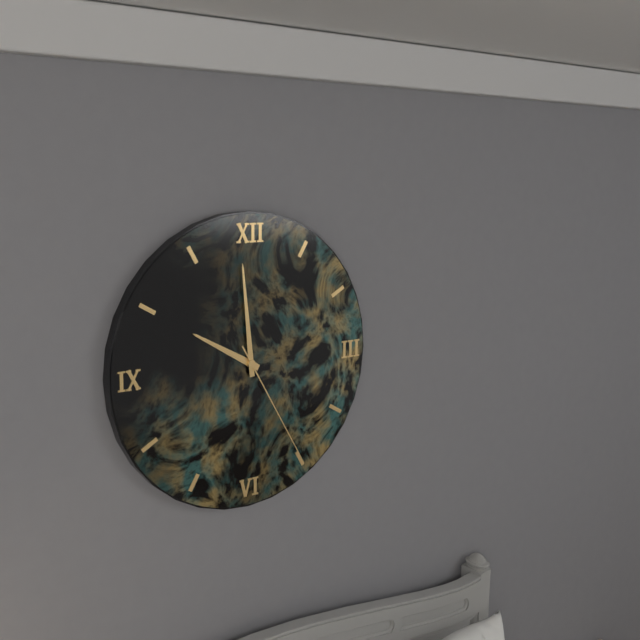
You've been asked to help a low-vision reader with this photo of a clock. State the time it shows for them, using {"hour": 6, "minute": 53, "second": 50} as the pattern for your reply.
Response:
{"hour": 9, "minute": 59, "second": 25}
